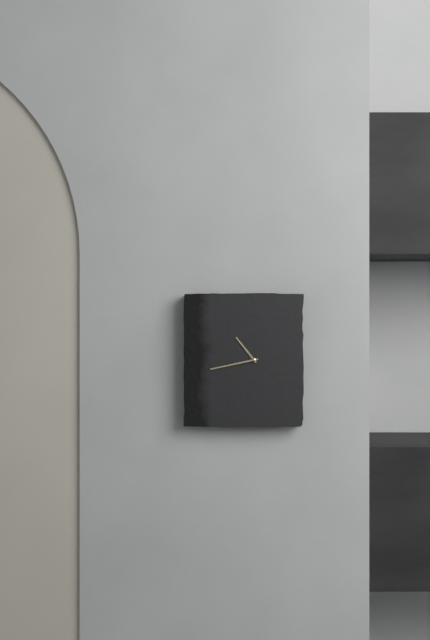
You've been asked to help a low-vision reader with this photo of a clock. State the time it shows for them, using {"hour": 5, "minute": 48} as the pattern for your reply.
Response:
{"hour": 10, "minute": 43}
